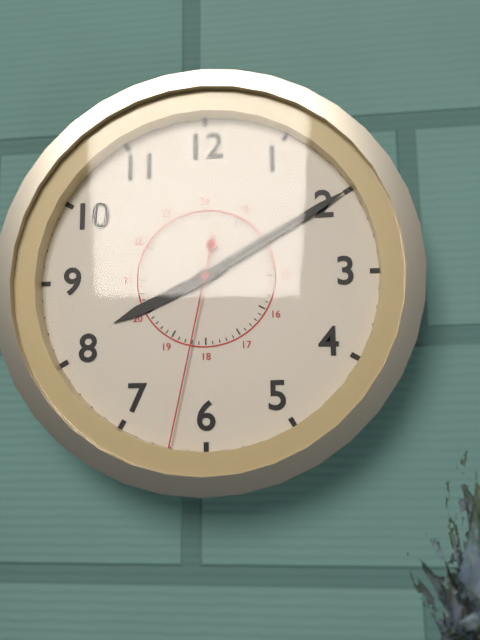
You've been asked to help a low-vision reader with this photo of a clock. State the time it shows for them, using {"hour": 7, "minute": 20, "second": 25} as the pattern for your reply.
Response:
{"hour": 8, "minute": 10, "second": 32}
